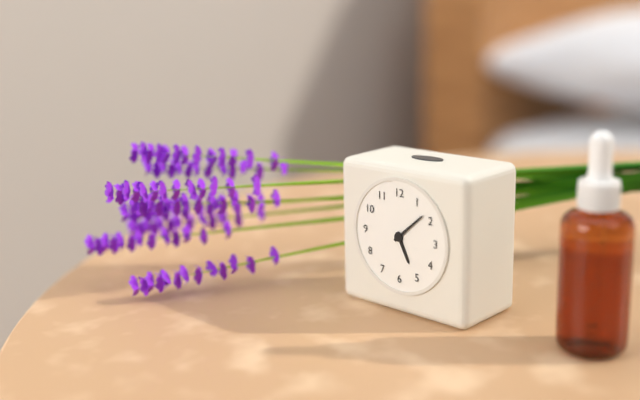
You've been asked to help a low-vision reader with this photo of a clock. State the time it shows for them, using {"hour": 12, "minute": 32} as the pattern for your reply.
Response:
{"hour": 5, "minute": 8}
